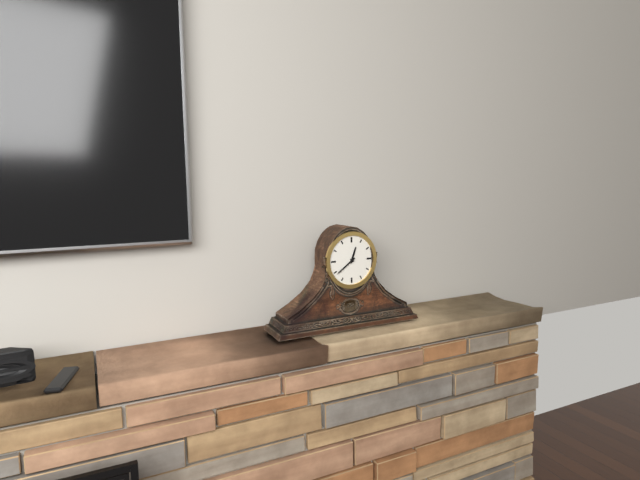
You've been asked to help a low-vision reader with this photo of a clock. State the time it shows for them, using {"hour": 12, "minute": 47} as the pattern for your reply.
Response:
{"hour": 12, "minute": 39}
